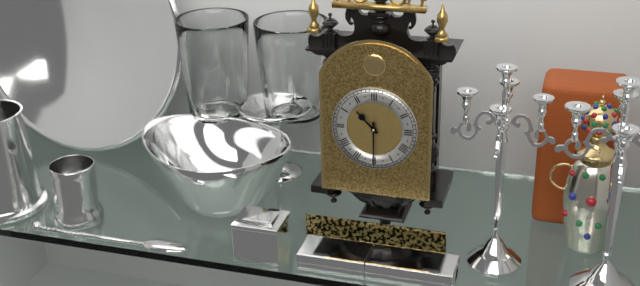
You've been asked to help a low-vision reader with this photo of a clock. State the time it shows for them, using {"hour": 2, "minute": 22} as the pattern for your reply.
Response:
{"hour": 10, "minute": 30}
